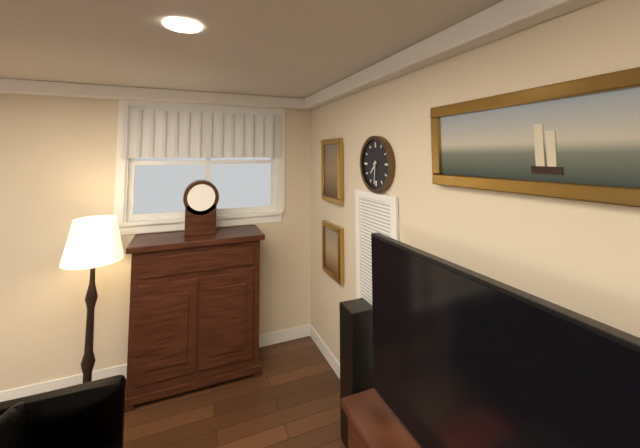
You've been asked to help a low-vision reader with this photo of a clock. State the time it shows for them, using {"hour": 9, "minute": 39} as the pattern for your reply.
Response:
{"hour": 7, "minute": 31}
